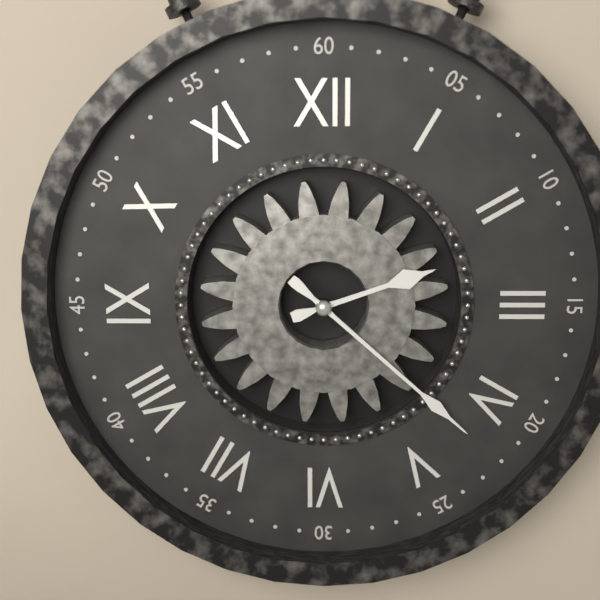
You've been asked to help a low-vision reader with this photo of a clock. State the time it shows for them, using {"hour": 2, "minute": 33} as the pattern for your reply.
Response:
{"hour": 2, "minute": 22}
